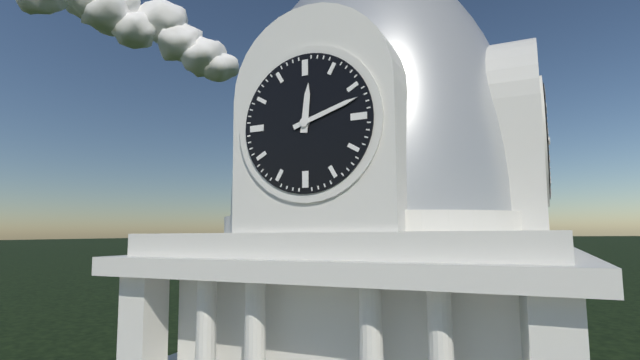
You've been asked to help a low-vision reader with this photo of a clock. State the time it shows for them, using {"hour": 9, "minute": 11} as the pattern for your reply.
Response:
{"hour": 12, "minute": 12}
